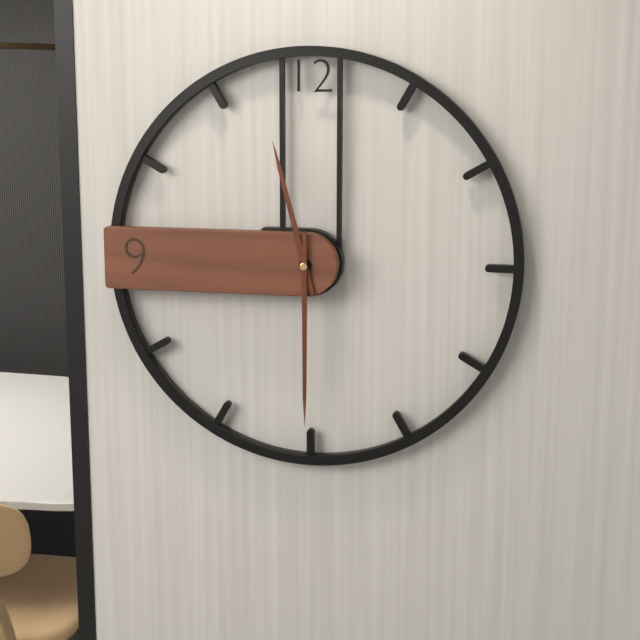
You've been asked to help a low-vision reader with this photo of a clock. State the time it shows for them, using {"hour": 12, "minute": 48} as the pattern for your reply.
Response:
{"hour": 11, "minute": 30}
